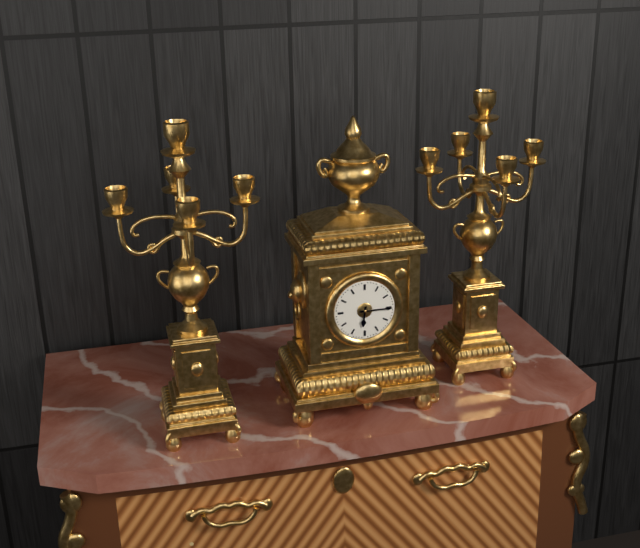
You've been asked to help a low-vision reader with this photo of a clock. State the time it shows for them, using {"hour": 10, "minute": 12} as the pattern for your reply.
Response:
{"hour": 6, "minute": 15}
